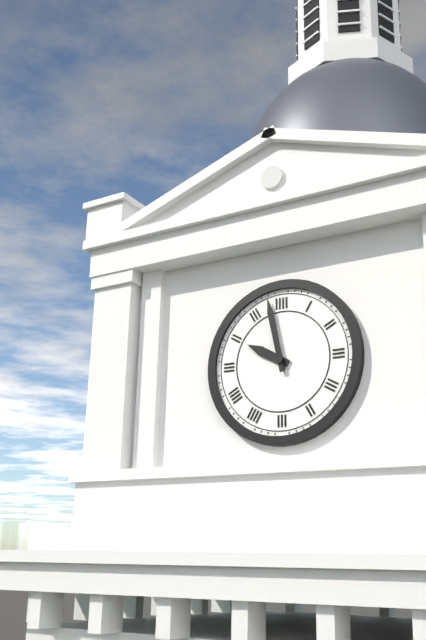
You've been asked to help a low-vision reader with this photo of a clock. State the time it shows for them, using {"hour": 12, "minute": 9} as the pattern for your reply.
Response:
{"hour": 9, "minute": 58}
